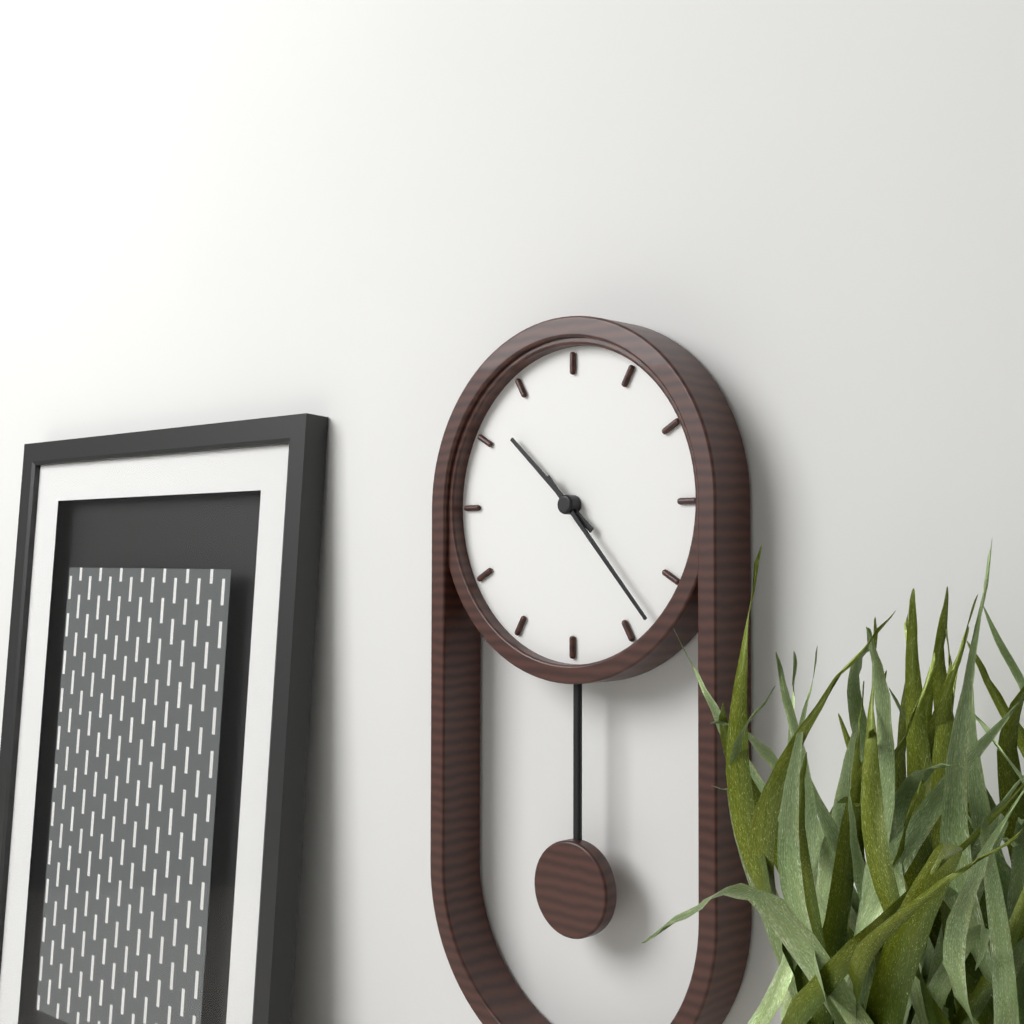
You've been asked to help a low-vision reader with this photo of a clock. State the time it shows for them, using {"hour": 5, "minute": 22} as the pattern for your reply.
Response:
{"hour": 10, "minute": 23}
